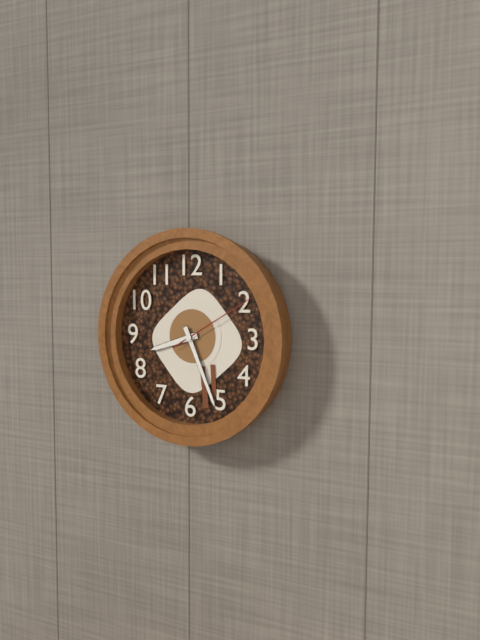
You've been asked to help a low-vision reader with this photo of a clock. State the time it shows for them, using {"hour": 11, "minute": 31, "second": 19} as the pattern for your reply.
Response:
{"hour": 8, "minute": 26, "second": 10}
